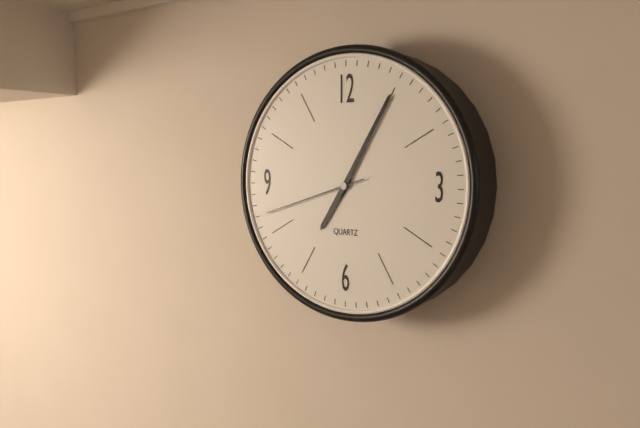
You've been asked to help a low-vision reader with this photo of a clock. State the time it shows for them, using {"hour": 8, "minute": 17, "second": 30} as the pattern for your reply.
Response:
{"hour": 7, "minute": 5, "second": 42}
